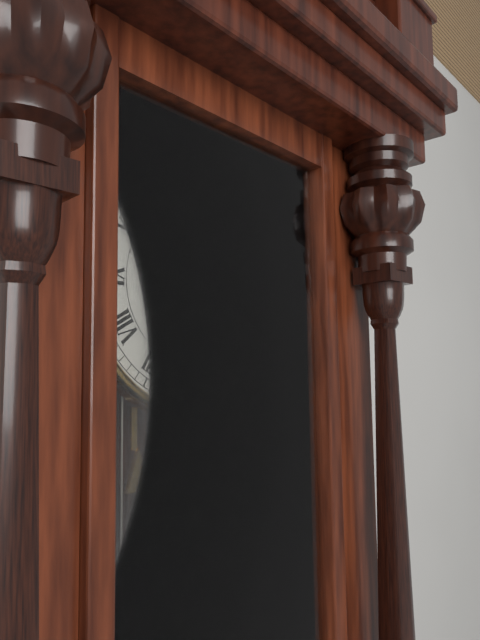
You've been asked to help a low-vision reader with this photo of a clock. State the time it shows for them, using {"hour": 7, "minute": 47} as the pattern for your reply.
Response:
{"hour": 1, "minute": 15}
